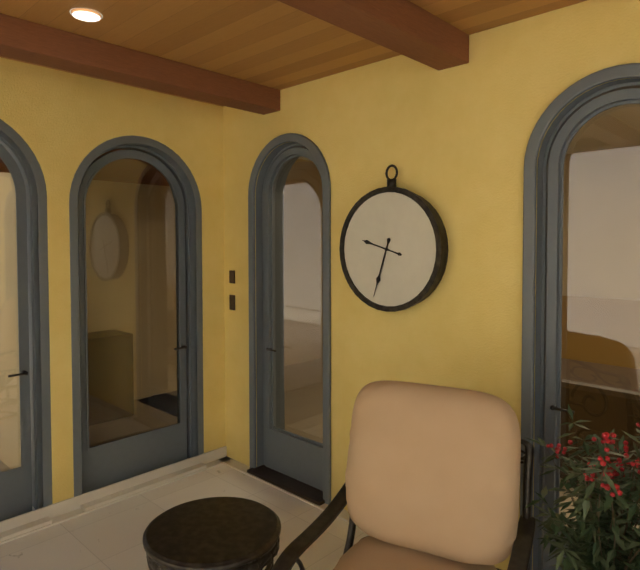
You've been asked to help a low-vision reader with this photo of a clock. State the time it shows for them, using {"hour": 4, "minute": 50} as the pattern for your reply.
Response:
{"hour": 9, "minute": 33}
